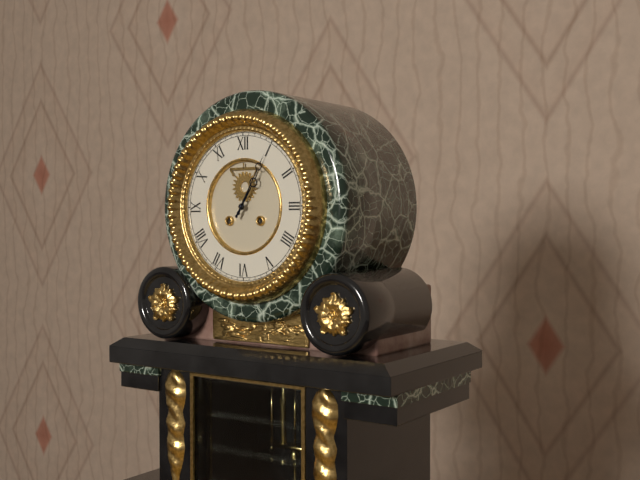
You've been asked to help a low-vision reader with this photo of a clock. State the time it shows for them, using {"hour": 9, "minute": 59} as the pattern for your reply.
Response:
{"hour": 1, "minute": 5}
